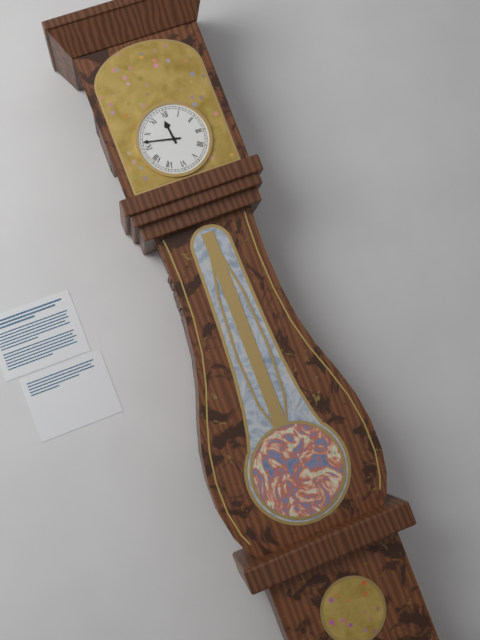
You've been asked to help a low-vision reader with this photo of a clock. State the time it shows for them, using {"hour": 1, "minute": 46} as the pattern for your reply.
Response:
{"hour": 11, "minute": 47}
